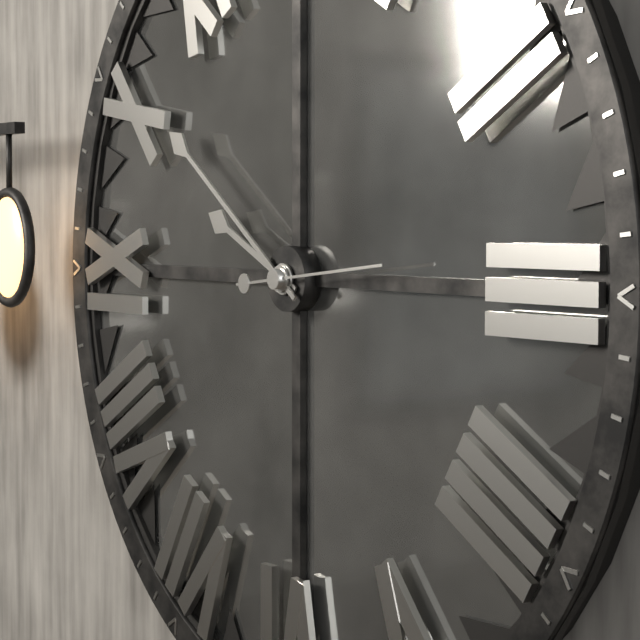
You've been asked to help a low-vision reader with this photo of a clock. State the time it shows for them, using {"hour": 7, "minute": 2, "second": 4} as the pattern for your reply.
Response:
{"hour": 9, "minute": 51, "second": 14}
